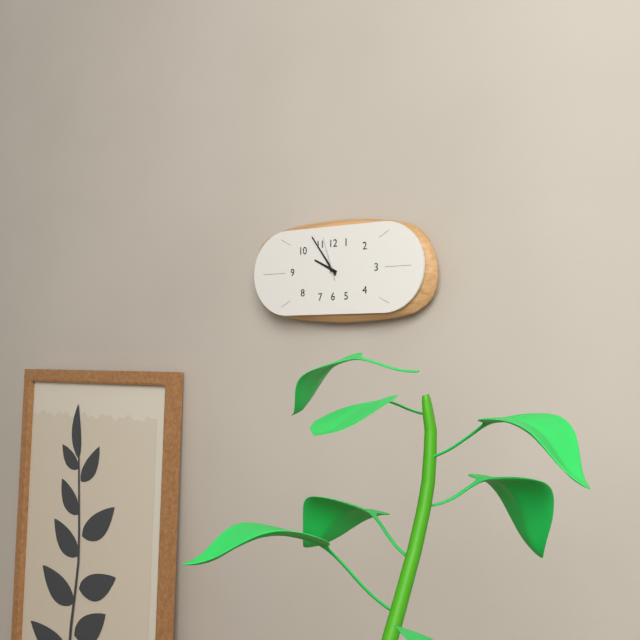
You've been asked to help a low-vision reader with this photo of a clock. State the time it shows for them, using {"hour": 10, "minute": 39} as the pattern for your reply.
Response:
{"hour": 9, "minute": 54}
